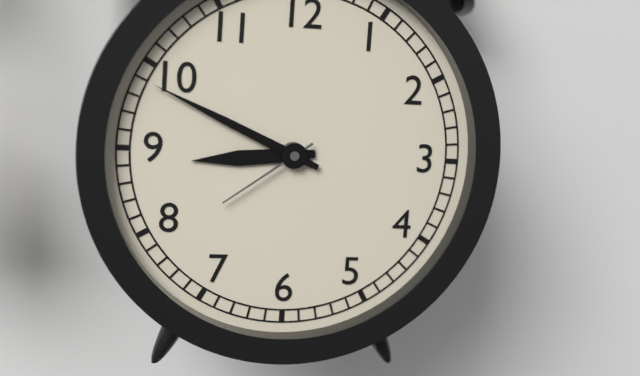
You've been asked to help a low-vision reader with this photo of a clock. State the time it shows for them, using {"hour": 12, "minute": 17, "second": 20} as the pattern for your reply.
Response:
{"hour": 8, "minute": 49, "second": 39}
